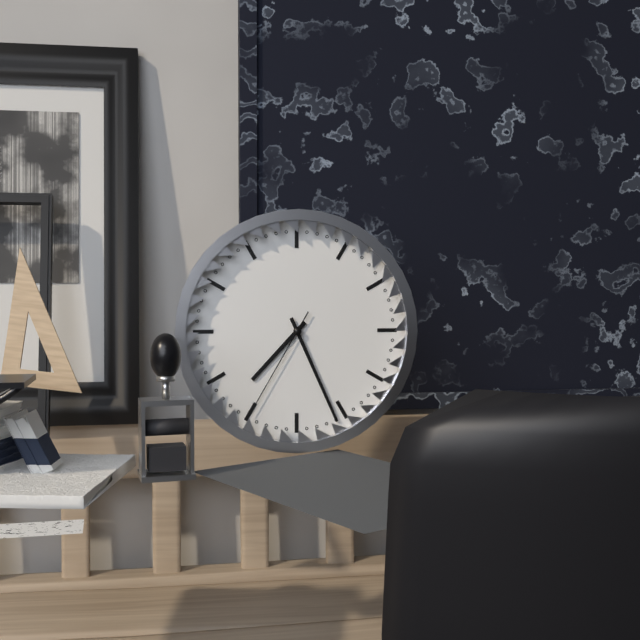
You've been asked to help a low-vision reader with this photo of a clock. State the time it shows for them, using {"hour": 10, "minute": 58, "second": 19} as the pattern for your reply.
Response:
{"hour": 7, "minute": 26, "second": 35}
